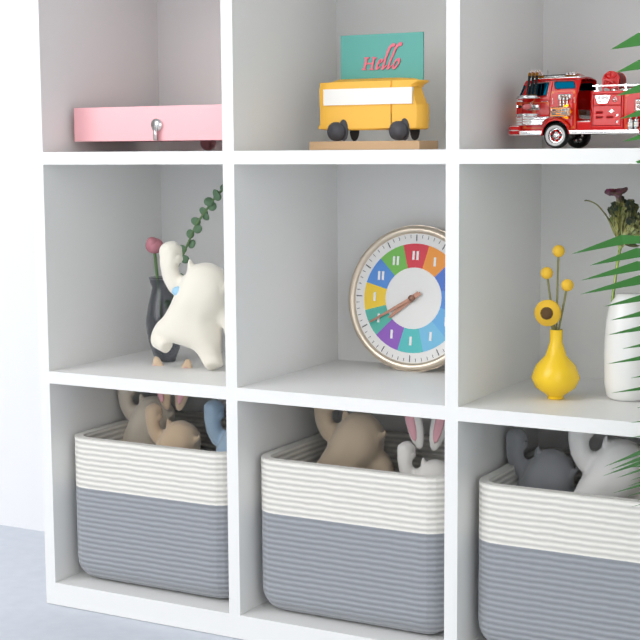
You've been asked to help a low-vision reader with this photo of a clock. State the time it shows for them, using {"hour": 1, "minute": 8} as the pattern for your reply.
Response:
{"hour": 7, "minute": 40}
